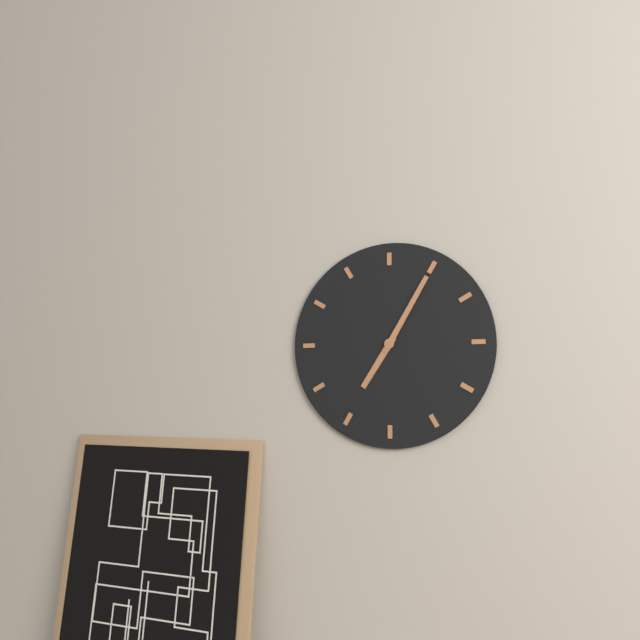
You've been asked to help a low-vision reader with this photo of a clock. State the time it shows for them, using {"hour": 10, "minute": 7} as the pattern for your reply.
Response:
{"hour": 7, "minute": 5}
